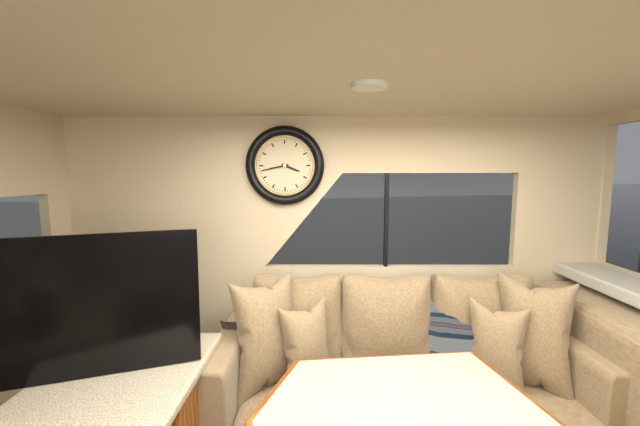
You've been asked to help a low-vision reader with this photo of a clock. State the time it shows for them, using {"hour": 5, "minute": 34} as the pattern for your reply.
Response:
{"hour": 3, "minute": 43}
